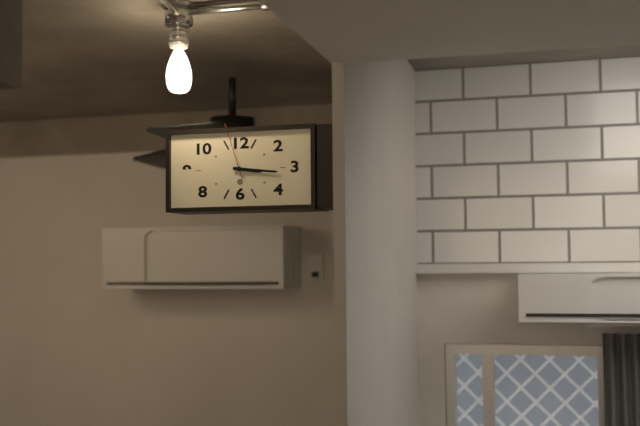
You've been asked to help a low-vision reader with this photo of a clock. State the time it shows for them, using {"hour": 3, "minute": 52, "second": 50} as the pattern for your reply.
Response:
{"hour": 3, "minute": 16, "second": 57}
